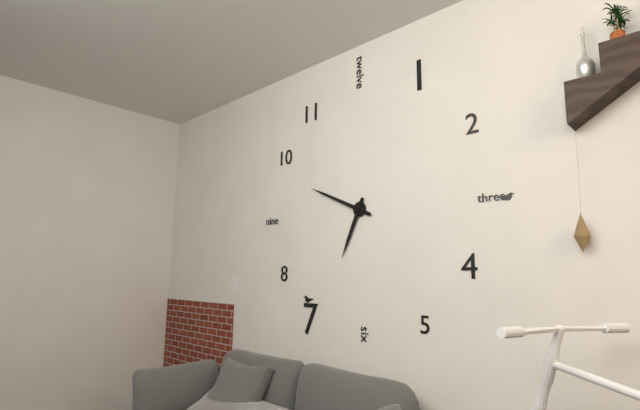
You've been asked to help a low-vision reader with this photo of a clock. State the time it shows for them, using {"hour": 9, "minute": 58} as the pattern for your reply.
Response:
{"hour": 6, "minute": 49}
